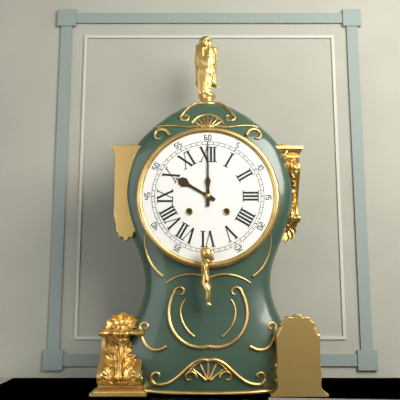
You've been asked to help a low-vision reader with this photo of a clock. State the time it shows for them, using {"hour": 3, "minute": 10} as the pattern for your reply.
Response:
{"hour": 10, "minute": 0}
